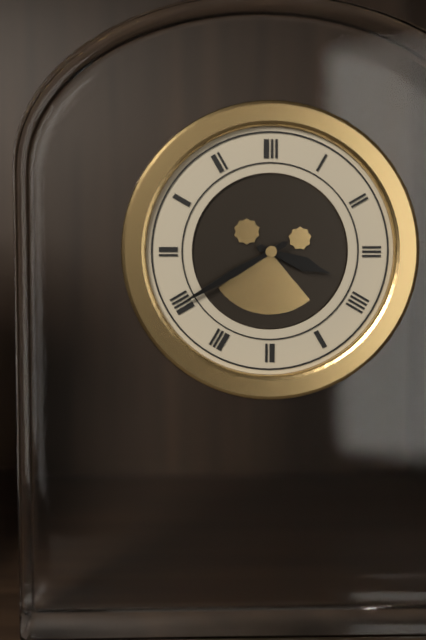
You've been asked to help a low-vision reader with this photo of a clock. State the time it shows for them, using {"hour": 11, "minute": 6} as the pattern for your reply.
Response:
{"hour": 3, "minute": 40}
